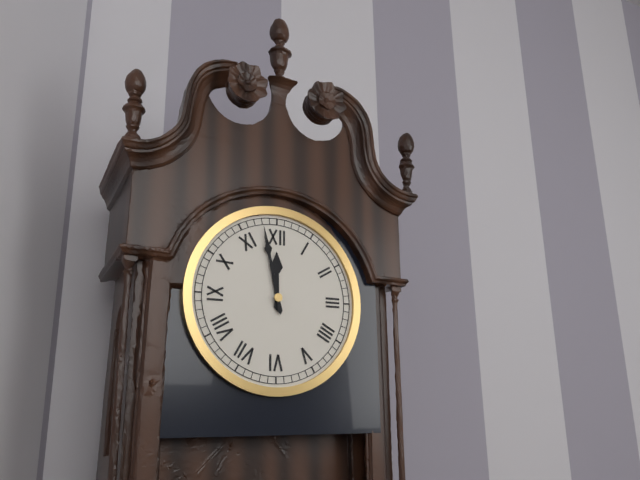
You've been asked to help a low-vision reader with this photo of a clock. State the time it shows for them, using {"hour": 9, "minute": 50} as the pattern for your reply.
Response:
{"hour": 11, "minute": 58}
